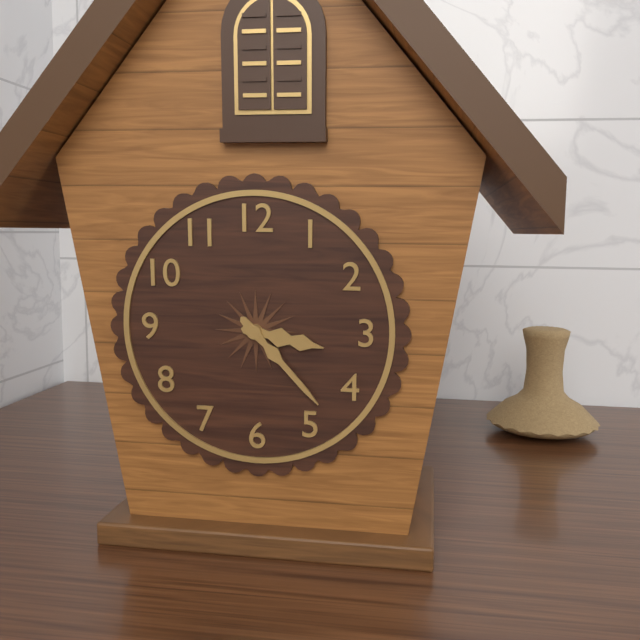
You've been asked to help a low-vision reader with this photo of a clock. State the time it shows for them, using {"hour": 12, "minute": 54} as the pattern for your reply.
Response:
{"hour": 3, "minute": 23}
